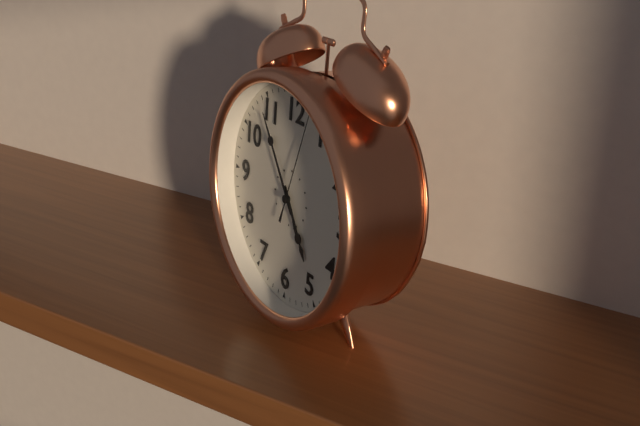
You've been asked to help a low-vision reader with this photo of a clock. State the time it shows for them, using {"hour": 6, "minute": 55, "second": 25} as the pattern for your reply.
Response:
{"hour": 4, "minute": 54, "second": 3}
